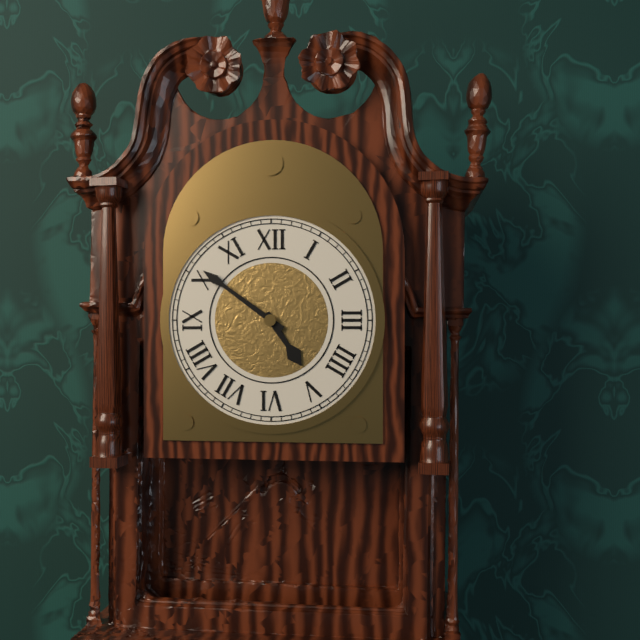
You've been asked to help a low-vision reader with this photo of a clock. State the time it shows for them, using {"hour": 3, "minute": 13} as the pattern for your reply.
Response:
{"hour": 4, "minute": 51}
